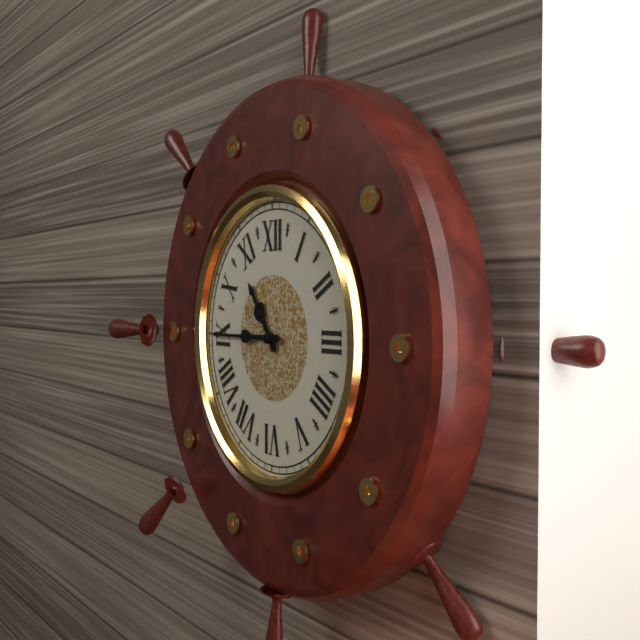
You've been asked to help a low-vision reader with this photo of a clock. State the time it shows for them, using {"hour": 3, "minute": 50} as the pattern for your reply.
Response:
{"hour": 10, "minute": 45}
